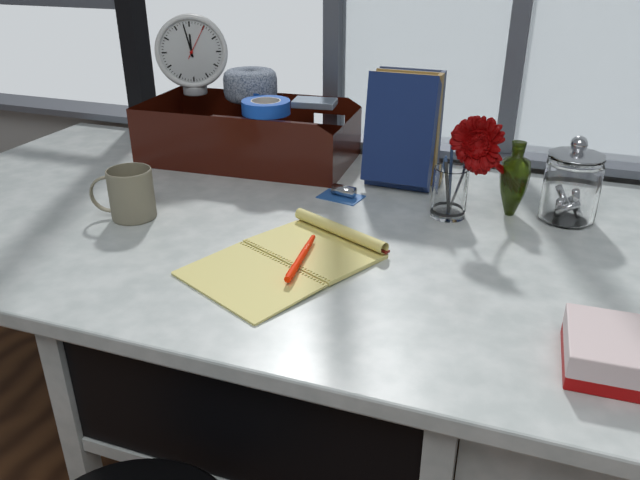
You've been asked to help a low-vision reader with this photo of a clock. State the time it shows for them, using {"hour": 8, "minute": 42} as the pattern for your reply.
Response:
{"hour": 11, "minute": 58}
